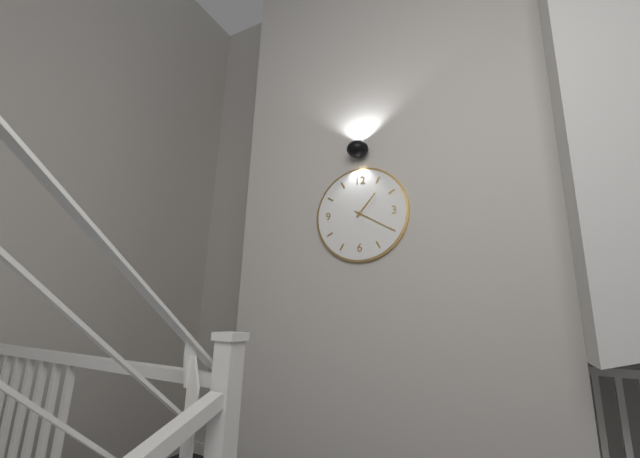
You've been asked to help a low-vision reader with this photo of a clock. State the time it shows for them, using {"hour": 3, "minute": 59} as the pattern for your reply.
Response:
{"hour": 1, "minute": 20}
